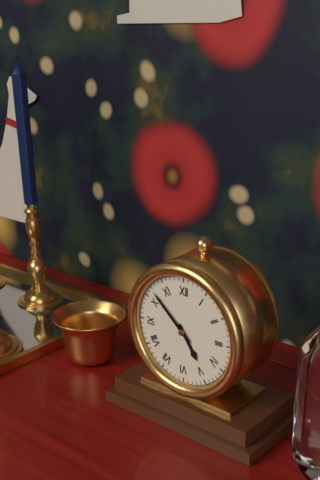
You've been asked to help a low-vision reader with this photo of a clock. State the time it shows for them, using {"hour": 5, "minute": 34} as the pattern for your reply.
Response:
{"hour": 4, "minute": 52}
